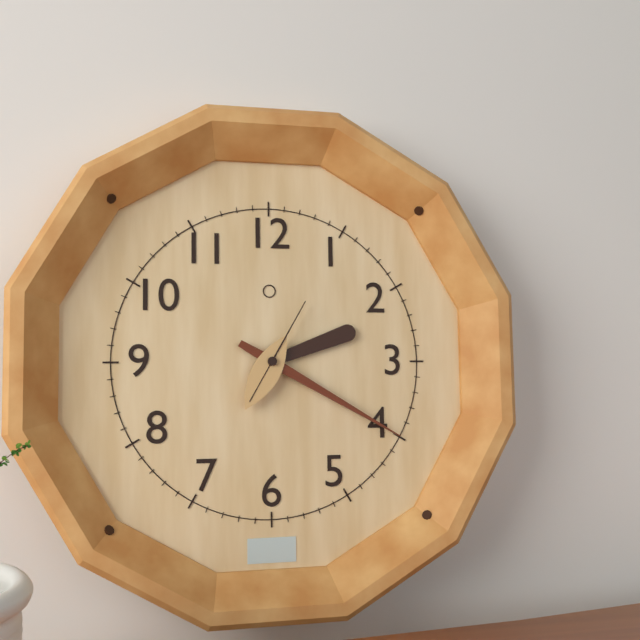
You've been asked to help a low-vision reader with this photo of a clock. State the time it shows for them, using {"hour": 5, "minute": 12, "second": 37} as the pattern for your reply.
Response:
{"hour": 2, "minute": 20, "second": 5}
